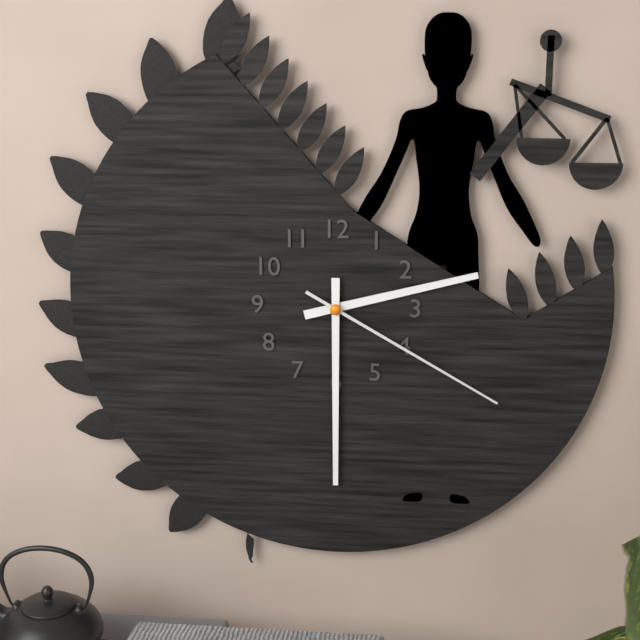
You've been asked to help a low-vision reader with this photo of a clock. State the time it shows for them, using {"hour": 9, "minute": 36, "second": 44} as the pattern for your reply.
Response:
{"hour": 2, "minute": 30, "second": 20}
